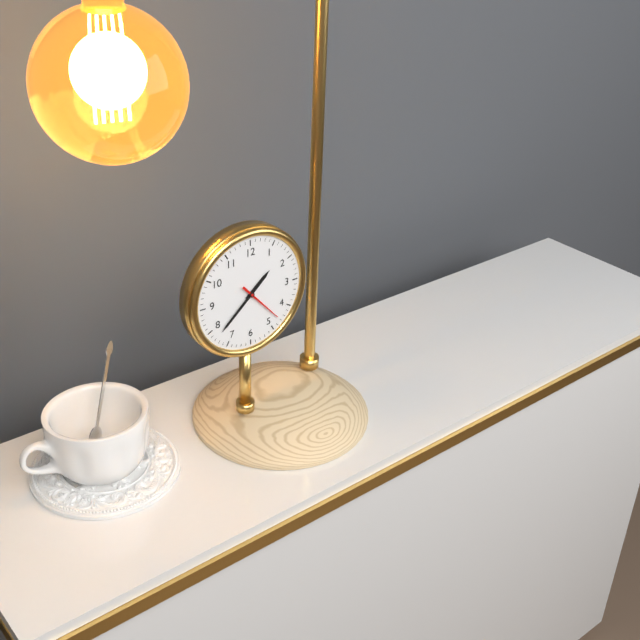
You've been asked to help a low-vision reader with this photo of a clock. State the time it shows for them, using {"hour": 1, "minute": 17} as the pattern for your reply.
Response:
{"hour": 1, "minute": 38}
